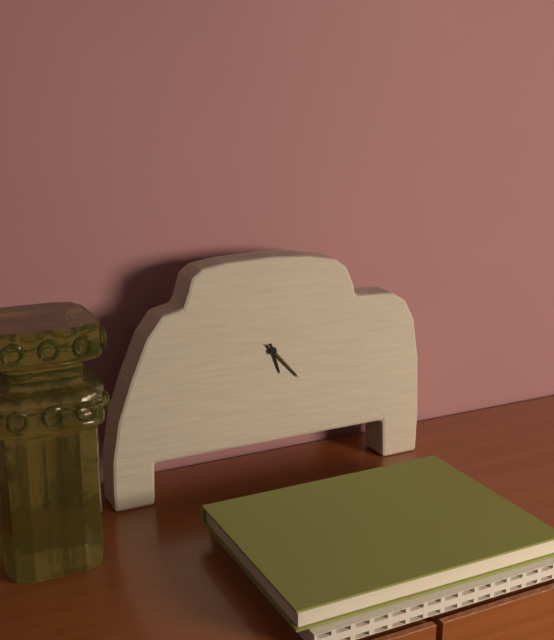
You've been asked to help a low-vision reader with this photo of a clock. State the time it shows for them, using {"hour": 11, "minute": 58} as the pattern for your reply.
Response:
{"hour": 5, "minute": 23}
